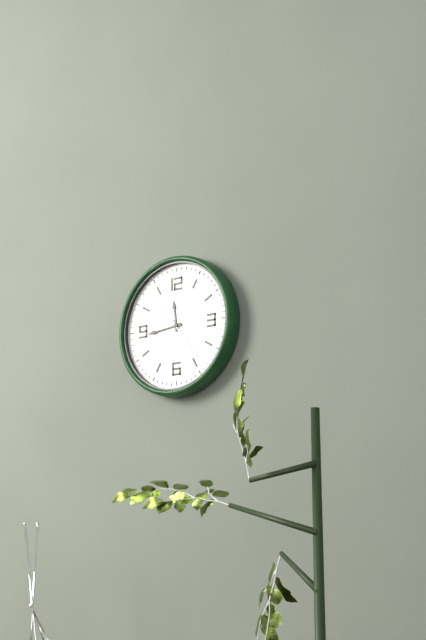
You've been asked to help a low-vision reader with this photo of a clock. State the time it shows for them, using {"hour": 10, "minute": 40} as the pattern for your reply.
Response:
{"hour": 11, "minute": 44}
